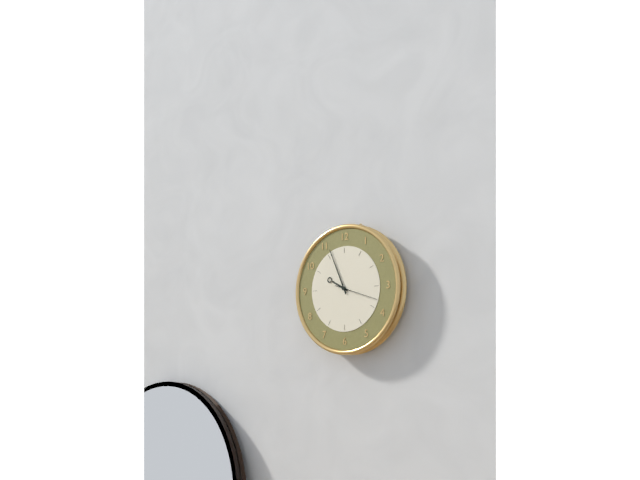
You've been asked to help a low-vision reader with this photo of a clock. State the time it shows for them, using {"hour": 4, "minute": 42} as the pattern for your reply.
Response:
{"hour": 9, "minute": 56}
